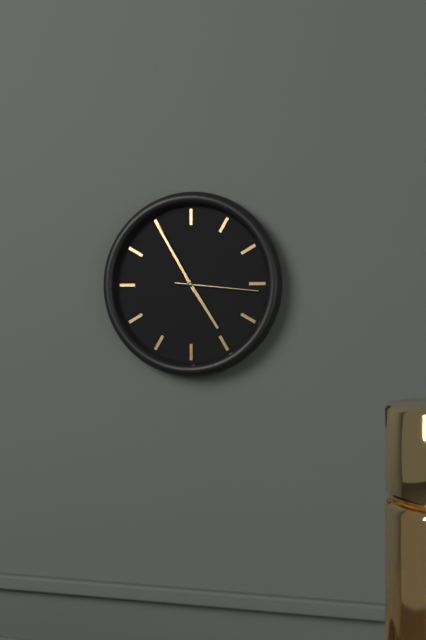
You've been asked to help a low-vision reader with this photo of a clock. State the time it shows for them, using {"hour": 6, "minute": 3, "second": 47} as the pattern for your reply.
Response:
{"hour": 4, "minute": 55, "second": 16}
